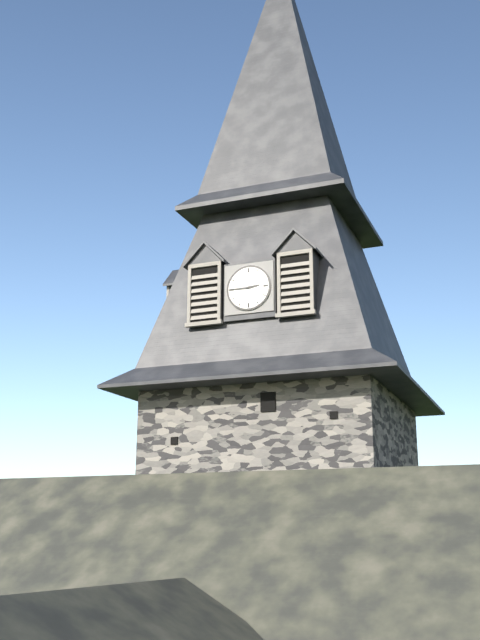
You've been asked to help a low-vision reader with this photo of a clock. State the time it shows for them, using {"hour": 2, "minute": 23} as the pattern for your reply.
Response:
{"hour": 2, "minute": 45}
